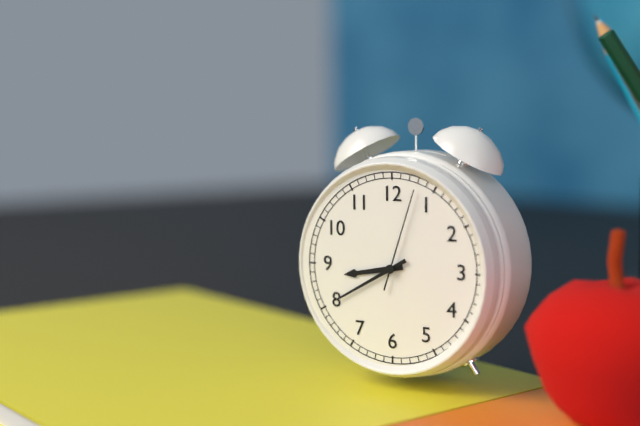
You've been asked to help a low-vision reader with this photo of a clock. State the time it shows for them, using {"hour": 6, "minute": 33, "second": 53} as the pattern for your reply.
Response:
{"hour": 8, "minute": 40, "second": 3}
